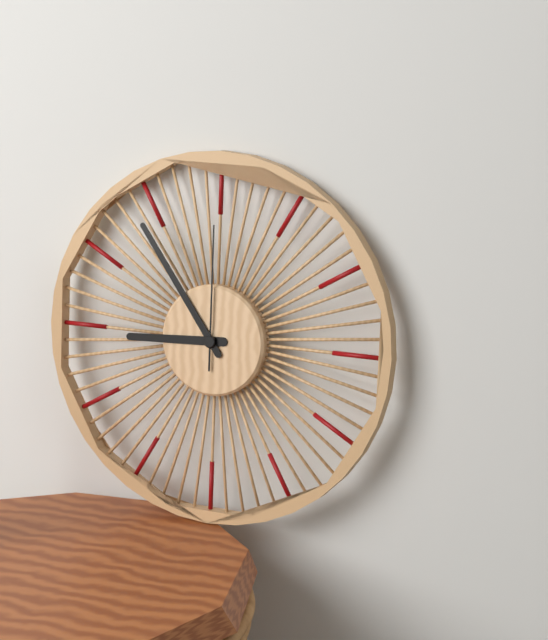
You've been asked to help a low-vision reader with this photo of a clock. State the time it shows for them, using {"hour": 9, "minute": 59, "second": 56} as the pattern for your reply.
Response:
{"hour": 8, "minute": 54, "second": 0}
